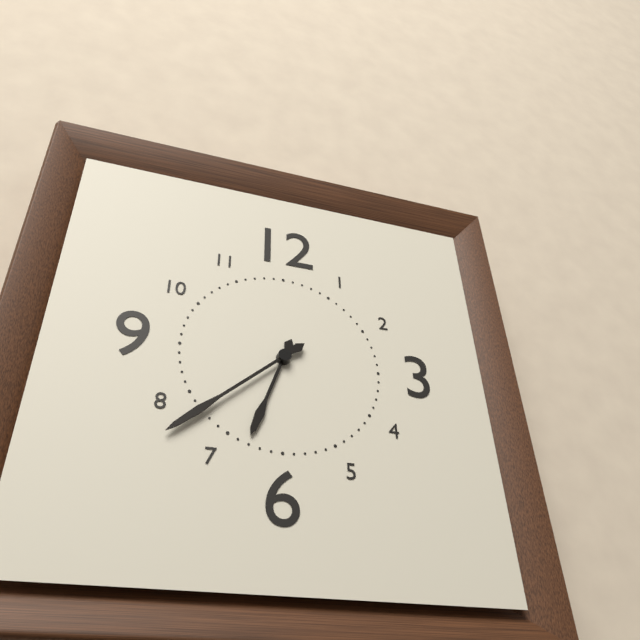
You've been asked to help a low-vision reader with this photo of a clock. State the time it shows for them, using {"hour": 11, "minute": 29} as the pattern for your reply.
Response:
{"hour": 6, "minute": 38}
